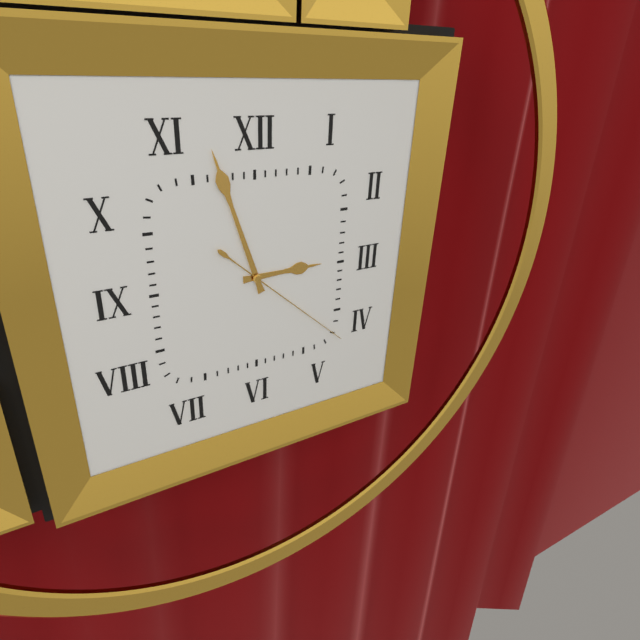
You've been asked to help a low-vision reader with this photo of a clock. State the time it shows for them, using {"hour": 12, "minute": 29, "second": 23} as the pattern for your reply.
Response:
{"hour": 2, "minute": 57, "second": 22}
